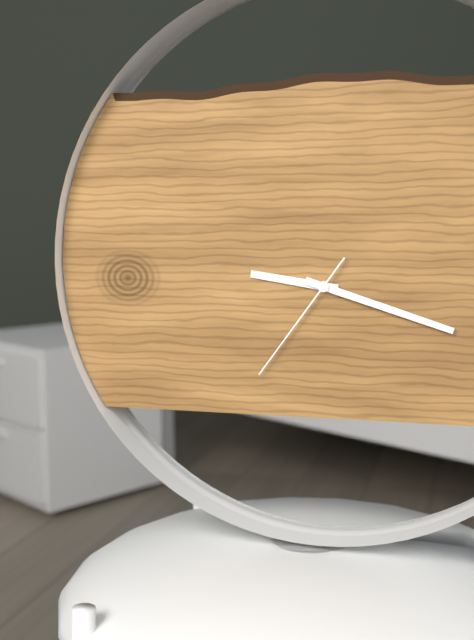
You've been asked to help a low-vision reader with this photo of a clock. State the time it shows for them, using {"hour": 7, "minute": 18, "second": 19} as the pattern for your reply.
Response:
{"hour": 9, "minute": 18, "second": 36}
